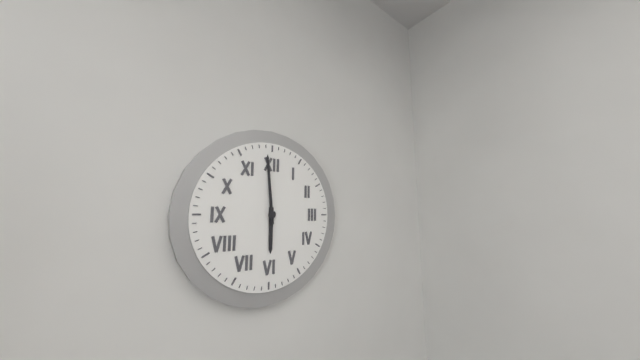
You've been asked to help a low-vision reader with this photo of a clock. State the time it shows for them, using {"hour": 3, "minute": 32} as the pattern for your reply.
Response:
{"hour": 5, "minute": 59}
